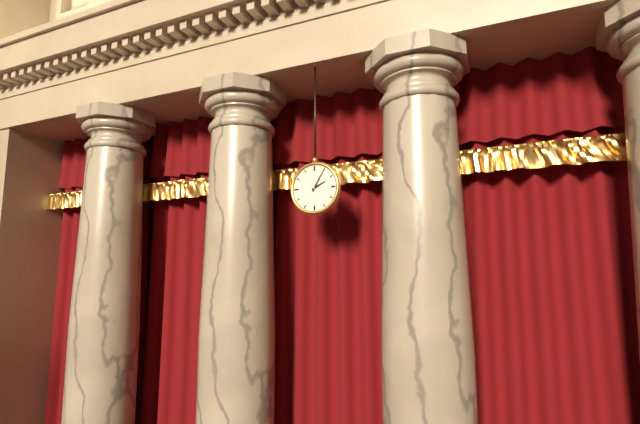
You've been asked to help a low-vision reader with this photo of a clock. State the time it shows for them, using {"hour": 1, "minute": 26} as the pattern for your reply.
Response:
{"hour": 2, "minute": 5}
